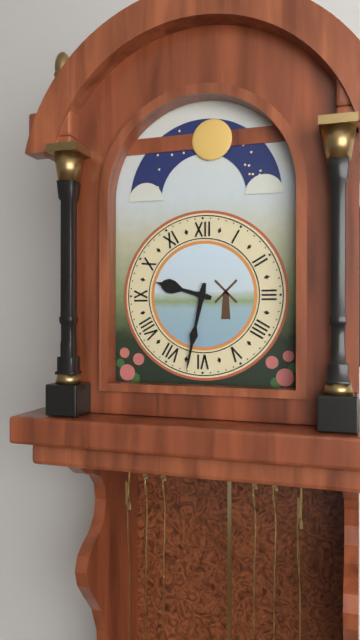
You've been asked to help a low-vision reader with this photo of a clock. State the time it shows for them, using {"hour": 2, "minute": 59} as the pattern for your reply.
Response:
{"hour": 9, "minute": 32}
